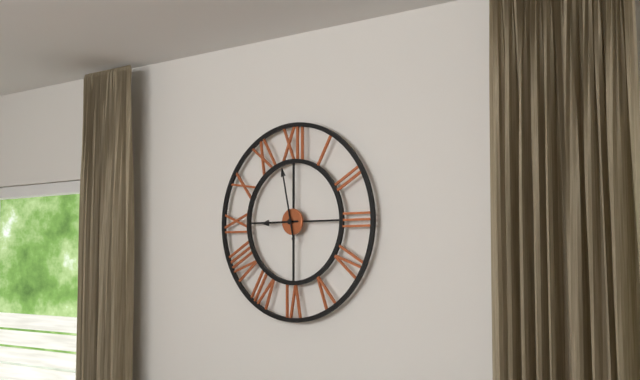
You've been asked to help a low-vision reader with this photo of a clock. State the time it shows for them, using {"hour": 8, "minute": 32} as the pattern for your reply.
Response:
{"hour": 8, "minute": 58}
